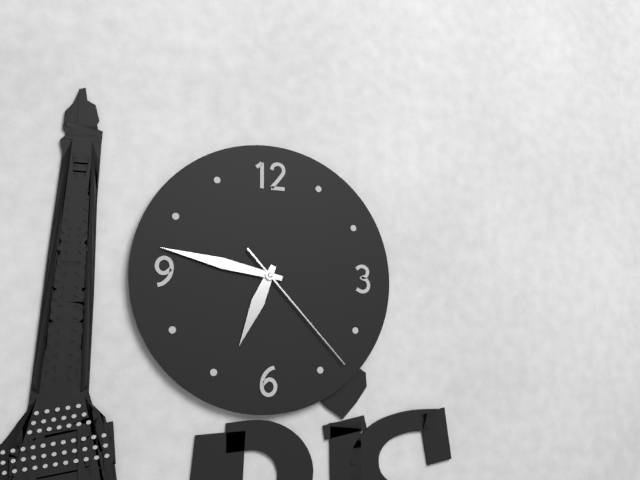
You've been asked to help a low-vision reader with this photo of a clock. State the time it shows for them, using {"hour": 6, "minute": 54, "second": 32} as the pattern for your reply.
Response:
{"hour": 6, "minute": 47, "second": 23}
